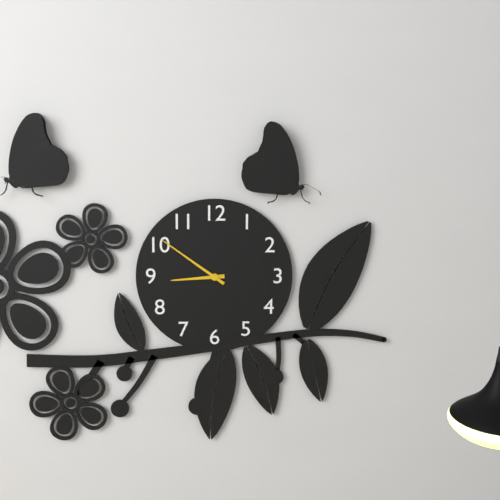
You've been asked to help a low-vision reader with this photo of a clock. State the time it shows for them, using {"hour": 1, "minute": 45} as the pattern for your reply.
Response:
{"hour": 8, "minute": 51}
